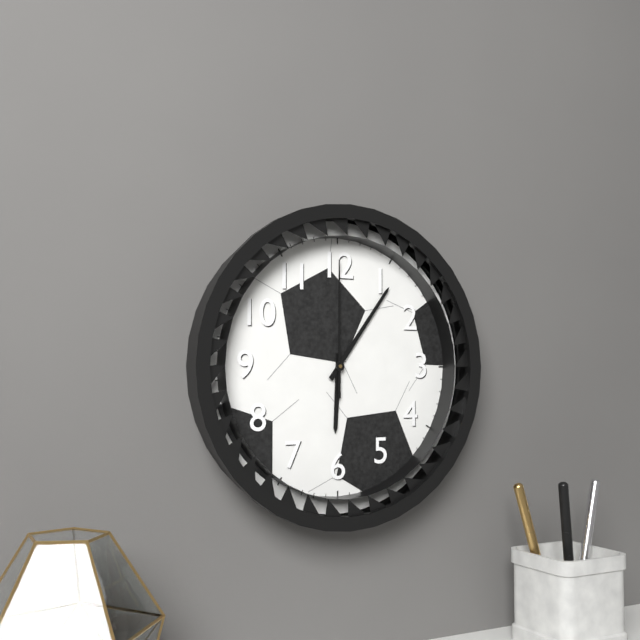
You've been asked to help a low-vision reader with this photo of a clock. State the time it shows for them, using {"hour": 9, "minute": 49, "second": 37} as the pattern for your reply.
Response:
{"hour": 6, "minute": 6, "second": 0}
